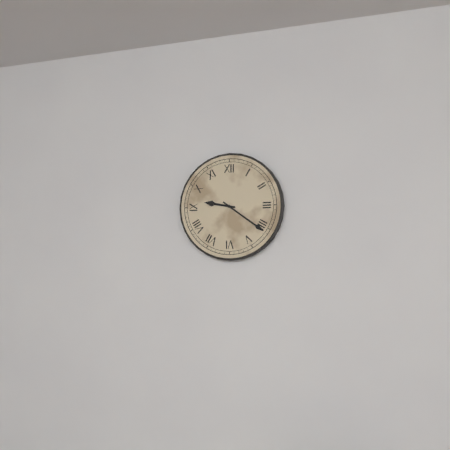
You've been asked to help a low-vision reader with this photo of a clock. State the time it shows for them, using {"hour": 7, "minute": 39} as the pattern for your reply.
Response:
{"hour": 9, "minute": 21}
